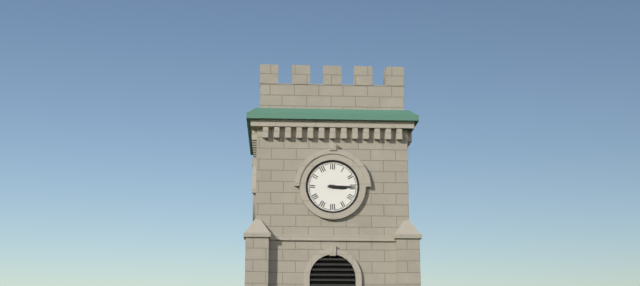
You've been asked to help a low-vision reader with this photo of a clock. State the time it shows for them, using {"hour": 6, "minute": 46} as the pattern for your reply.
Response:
{"hour": 3, "minute": 15}
